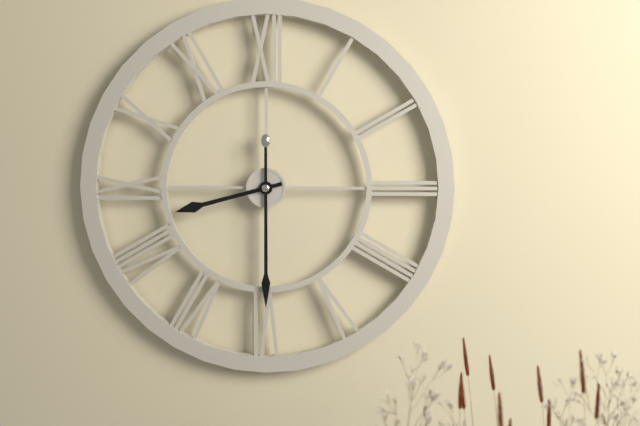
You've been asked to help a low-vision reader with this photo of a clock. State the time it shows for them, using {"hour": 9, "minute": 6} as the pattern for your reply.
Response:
{"hour": 8, "minute": 30}
